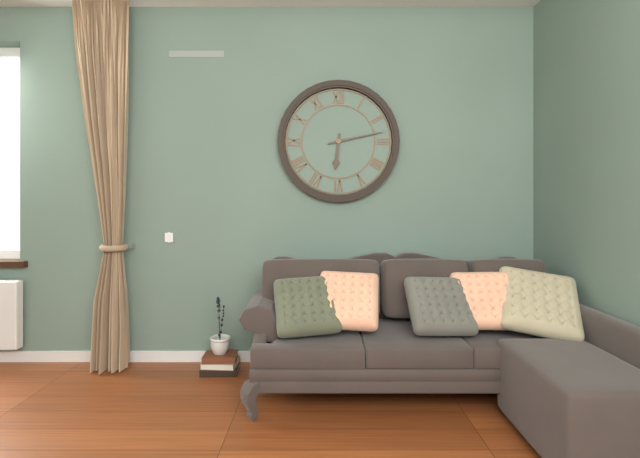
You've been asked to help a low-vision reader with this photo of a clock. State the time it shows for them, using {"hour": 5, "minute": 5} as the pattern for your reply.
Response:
{"hour": 6, "minute": 13}
